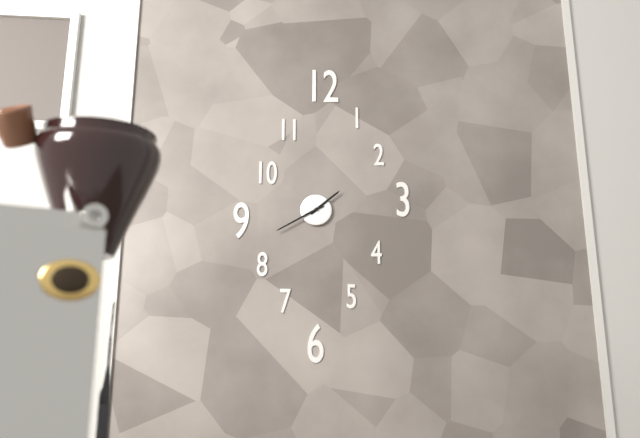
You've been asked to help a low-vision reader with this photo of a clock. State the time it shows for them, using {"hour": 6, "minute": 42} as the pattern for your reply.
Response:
{"hour": 1, "minute": 40}
